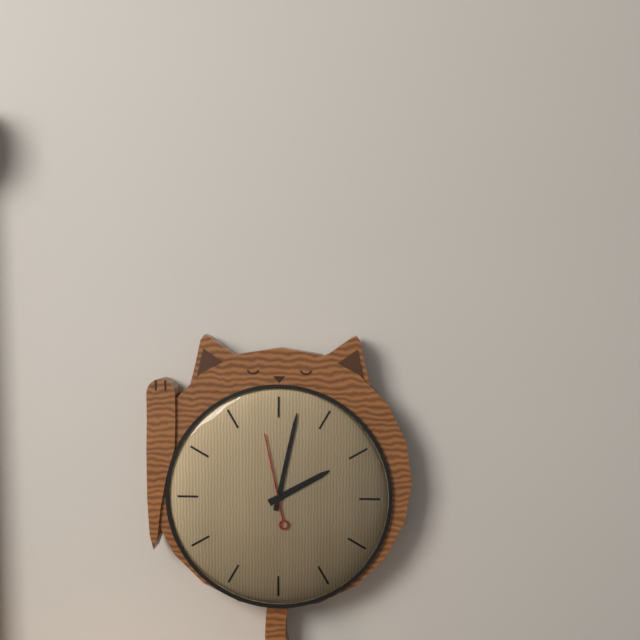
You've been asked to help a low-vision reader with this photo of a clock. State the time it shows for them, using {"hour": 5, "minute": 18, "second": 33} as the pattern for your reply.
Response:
{"hour": 2, "minute": 2, "second": 58}
